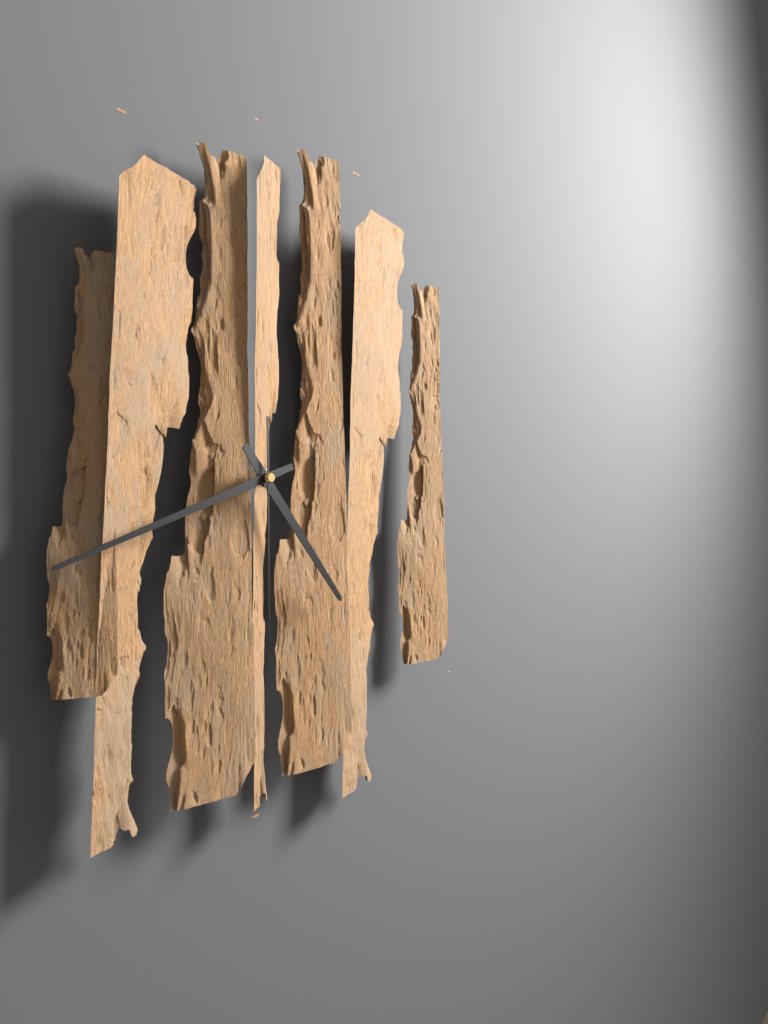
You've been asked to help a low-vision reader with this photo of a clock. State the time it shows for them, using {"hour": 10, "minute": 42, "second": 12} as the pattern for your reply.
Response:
{"hour": 4, "minute": 42, "second": 30}
